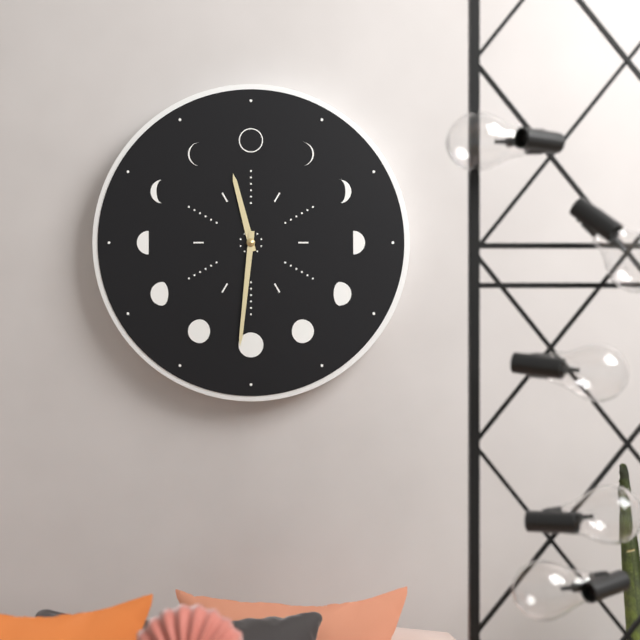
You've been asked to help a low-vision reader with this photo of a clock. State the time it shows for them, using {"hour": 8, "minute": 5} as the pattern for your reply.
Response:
{"hour": 11, "minute": 31}
